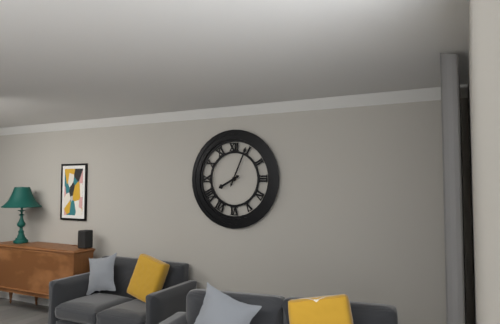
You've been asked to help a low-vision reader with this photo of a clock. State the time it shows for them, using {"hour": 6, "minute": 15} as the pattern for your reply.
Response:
{"hour": 8, "minute": 4}
